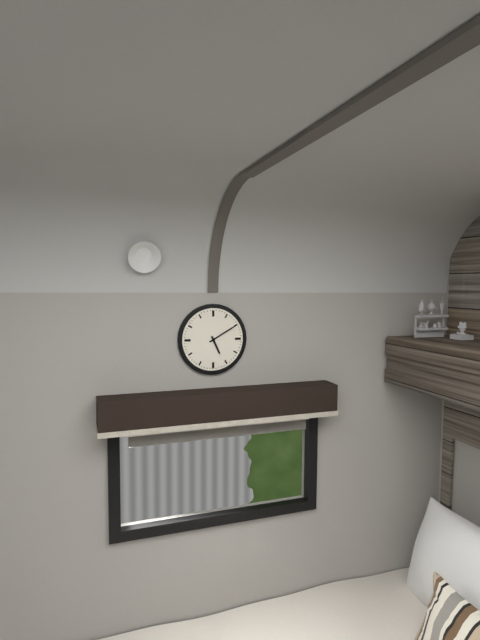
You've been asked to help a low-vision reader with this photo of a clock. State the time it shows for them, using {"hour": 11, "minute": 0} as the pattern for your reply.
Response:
{"hour": 5, "minute": 10}
